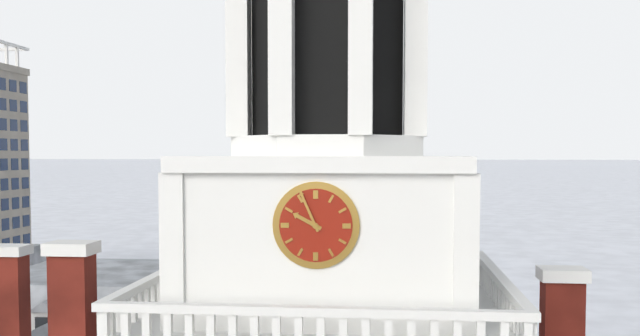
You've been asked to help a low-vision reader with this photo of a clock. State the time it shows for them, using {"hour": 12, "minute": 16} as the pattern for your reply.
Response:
{"hour": 9, "minute": 56}
